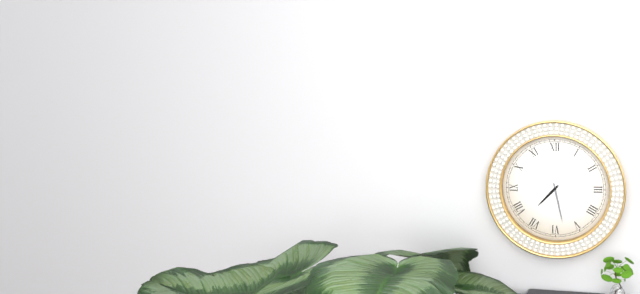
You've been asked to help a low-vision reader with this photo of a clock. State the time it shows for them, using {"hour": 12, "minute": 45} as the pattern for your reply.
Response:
{"hour": 7, "minute": 28}
